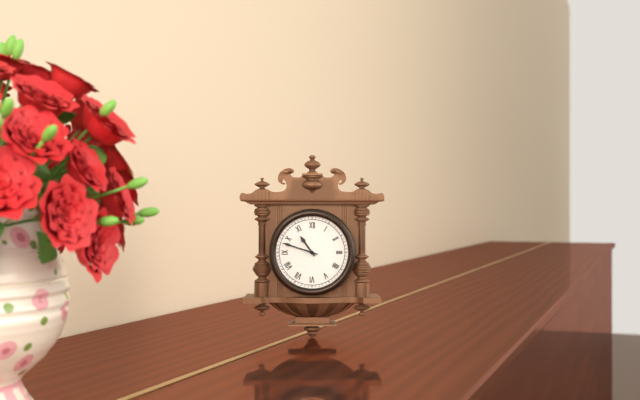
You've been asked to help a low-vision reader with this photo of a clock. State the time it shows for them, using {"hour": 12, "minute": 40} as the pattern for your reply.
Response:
{"hour": 10, "minute": 48}
